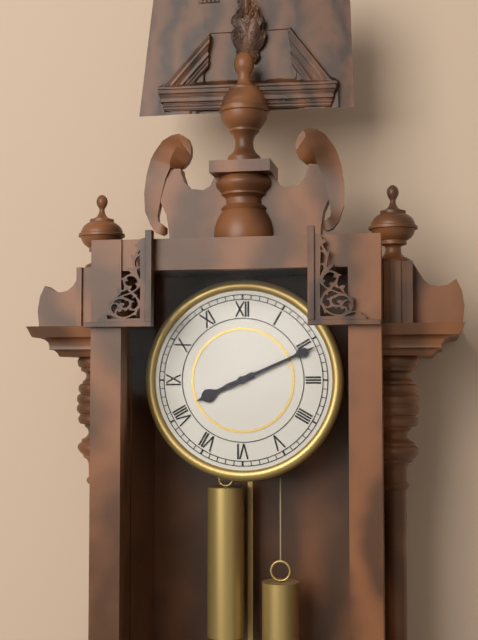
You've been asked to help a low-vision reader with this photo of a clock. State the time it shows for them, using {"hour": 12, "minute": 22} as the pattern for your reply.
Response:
{"hour": 8, "minute": 11}
